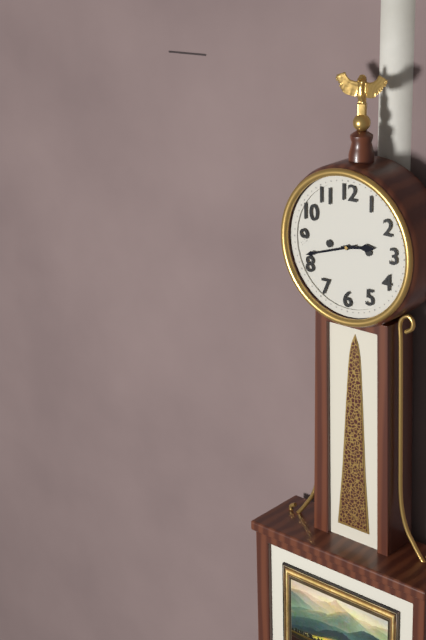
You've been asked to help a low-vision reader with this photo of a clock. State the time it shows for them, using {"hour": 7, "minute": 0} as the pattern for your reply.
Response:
{"hour": 2, "minute": 42}
